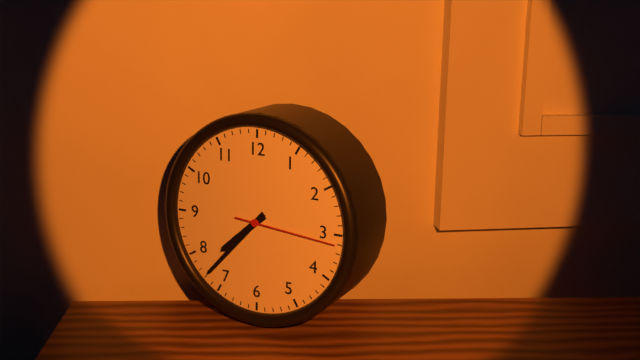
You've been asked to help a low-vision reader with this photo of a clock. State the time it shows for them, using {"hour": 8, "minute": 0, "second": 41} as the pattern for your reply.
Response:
{"hour": 7, "minute": 37, "second": 16}
